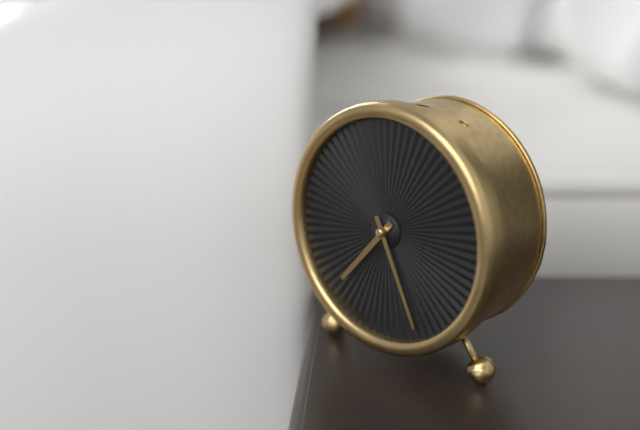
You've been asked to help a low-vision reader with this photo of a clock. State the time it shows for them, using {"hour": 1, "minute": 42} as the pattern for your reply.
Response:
{"hour": 7, "minute": 26}
